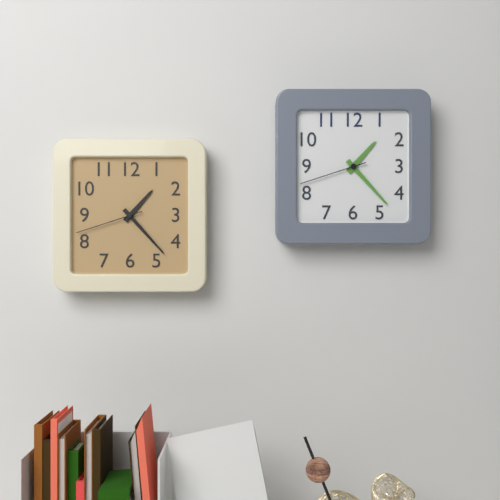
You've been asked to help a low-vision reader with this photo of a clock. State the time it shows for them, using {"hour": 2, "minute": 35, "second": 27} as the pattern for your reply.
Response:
{"hour": 1, "minute": 23, "second": 42}
